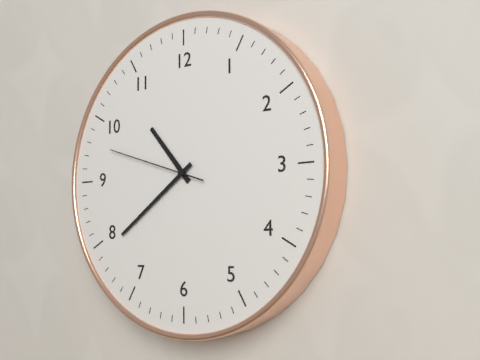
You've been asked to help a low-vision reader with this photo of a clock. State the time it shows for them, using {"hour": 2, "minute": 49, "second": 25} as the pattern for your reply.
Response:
{"hour": 10, "minute": 39, "second": 48}
